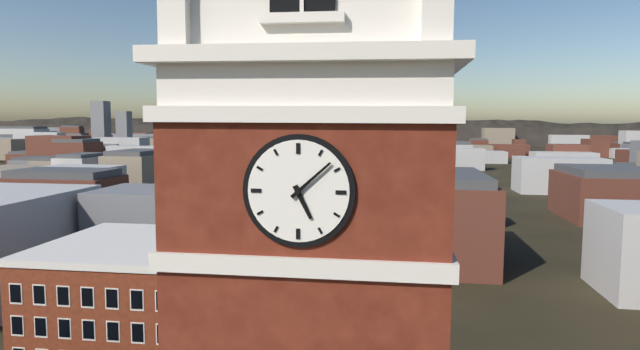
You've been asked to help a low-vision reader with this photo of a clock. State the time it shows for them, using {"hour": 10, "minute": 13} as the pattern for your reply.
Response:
{"hour": 5, "minute": 8}
